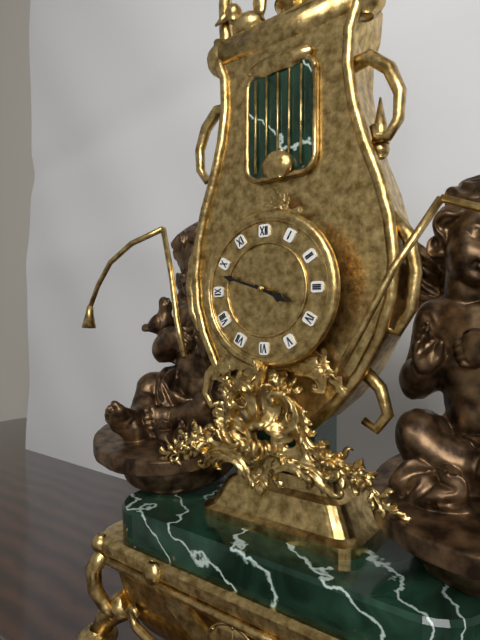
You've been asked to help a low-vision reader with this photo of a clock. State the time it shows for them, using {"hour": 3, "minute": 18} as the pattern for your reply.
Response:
{"hour": 3, "minute": 48}
